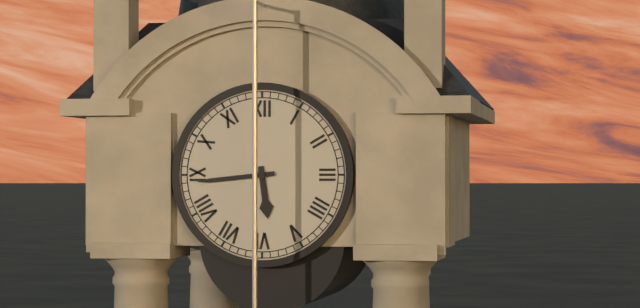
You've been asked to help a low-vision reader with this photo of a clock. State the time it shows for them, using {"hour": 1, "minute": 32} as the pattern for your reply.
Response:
{"hour": 5, "minute": 44}
